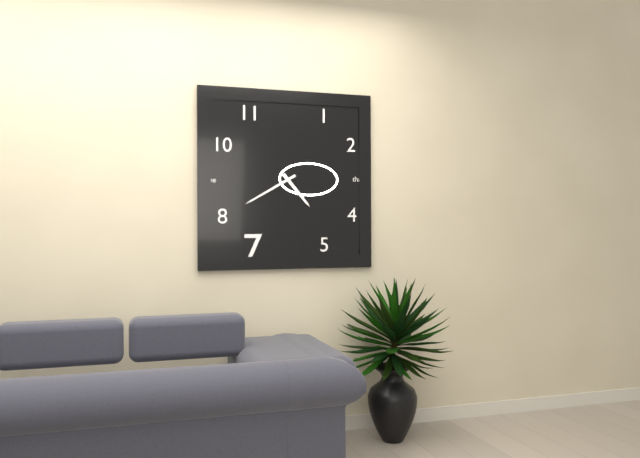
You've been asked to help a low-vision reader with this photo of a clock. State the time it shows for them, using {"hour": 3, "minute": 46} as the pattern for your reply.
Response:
{"hour": 4, "minute": 40}
